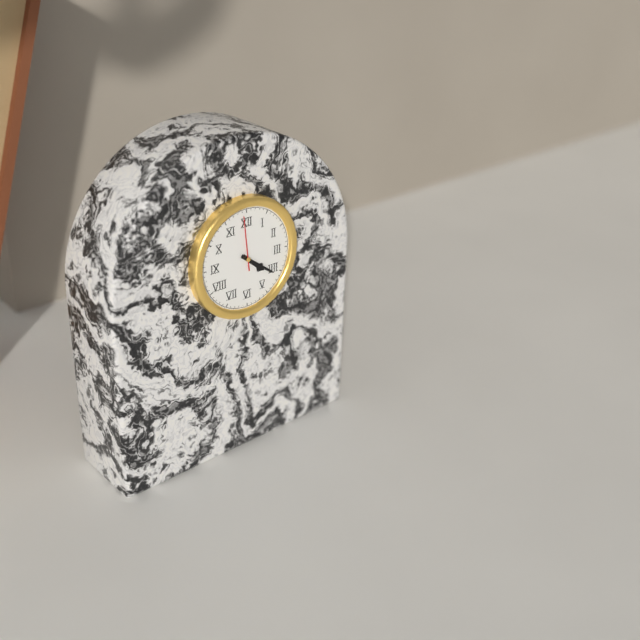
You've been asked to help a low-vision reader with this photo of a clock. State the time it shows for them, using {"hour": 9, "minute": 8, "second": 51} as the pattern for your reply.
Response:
{"hour": 4, "minute": 21, "second": 59}
